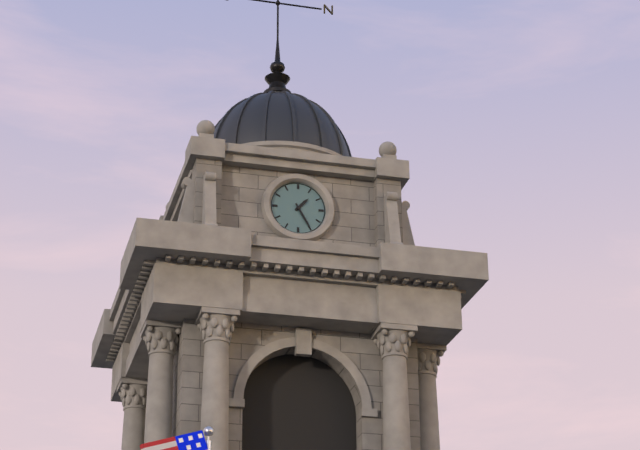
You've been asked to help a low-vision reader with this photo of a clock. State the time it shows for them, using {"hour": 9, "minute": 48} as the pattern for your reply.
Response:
{"hour": 1, "minute": 25}
